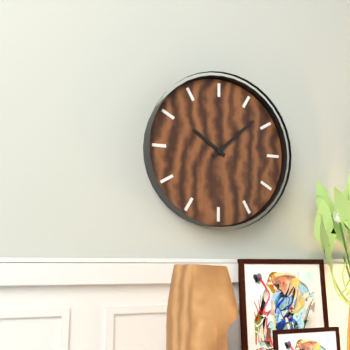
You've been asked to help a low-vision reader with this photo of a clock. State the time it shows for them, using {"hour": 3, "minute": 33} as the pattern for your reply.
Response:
{"hour": 10, "minute": 8}
